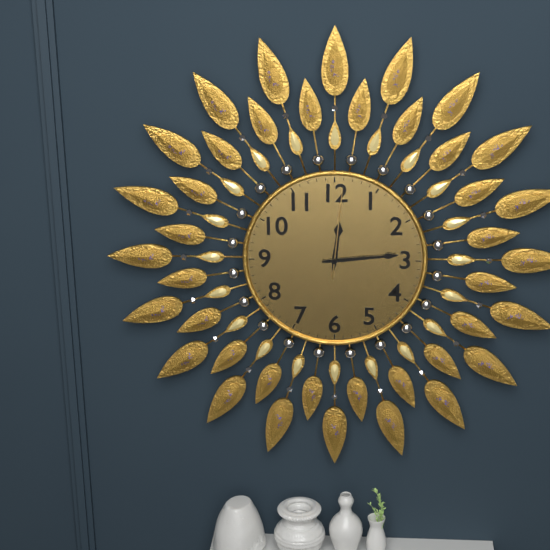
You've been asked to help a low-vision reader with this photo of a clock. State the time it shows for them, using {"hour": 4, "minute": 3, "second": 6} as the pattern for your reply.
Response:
{"hour": 12, "minute": 14, "second": 1}
